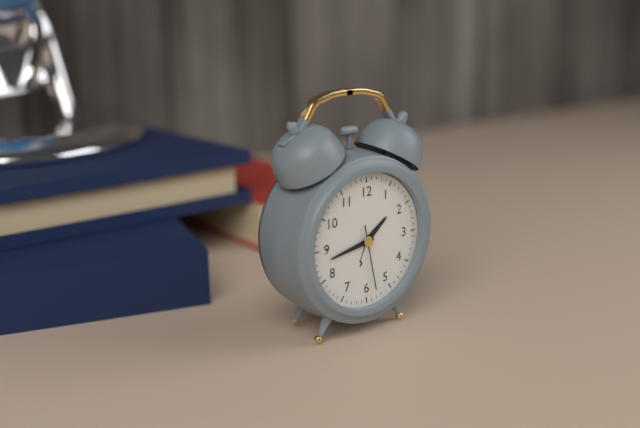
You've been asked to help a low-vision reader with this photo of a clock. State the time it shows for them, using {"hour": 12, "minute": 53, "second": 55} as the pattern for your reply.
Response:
{"hour": 1, "minute": 43, "second": 28}
